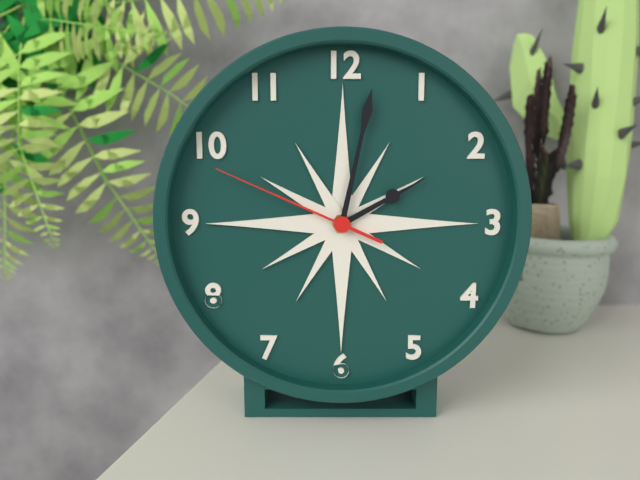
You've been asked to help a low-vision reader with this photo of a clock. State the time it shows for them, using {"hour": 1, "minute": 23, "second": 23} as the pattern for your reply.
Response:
{"hour": 2, "minute": 2, "second": 49}
